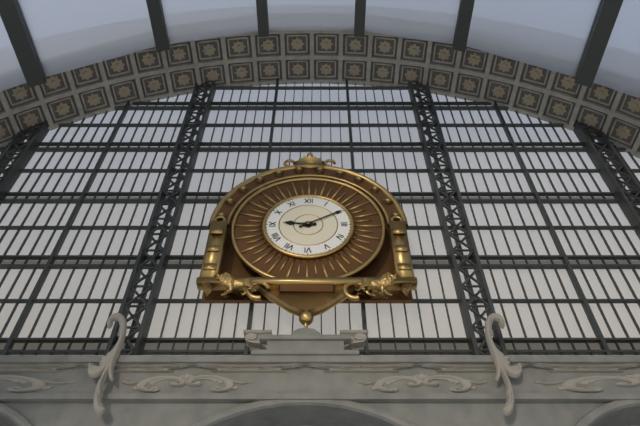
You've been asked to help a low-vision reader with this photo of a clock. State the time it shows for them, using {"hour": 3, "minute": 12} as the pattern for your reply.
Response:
{"hour": 9, "minute": 10}
